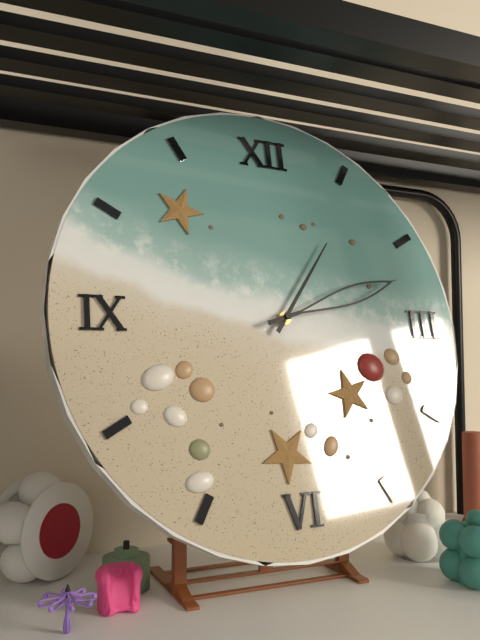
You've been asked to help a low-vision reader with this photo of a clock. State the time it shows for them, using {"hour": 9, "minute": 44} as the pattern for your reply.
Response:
{"hour": 1, "minute": 12}
